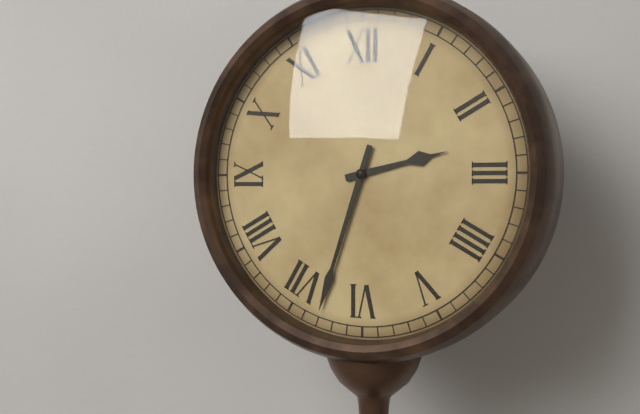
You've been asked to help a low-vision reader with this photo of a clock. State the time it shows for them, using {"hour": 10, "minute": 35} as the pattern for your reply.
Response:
{"hour": 2, "minute": 33}
